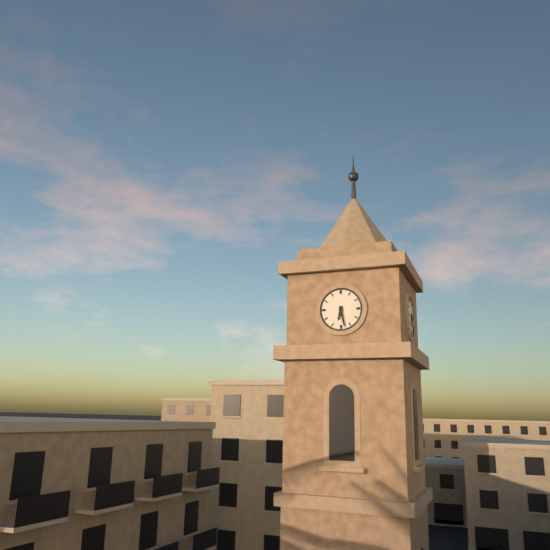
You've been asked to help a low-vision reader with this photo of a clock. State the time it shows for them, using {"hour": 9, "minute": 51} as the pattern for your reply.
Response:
{"hour": 6, "minute": 28}
